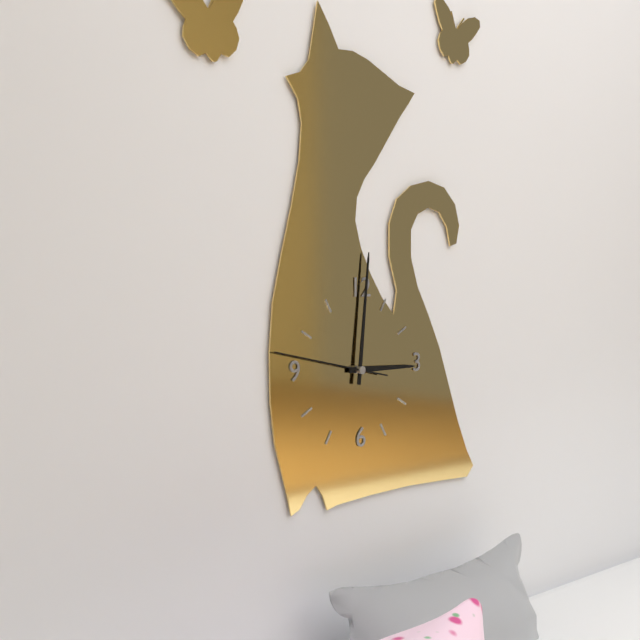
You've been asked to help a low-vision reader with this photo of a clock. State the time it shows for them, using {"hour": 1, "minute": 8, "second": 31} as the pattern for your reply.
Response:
{"hour": 3, "minute": 1, "second": 47}
